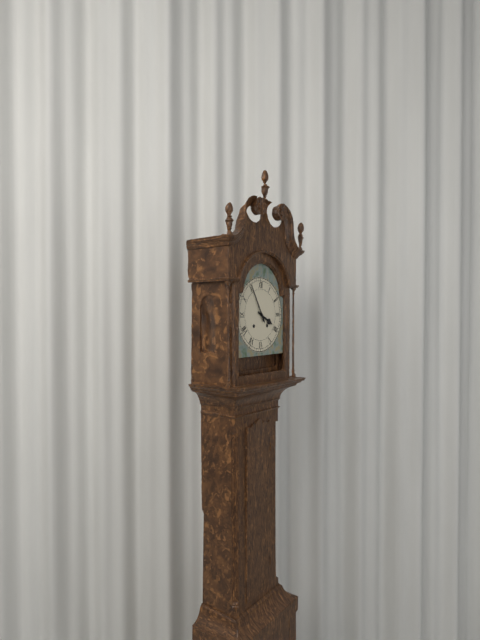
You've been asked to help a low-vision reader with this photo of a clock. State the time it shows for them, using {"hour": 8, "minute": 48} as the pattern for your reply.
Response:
{"hour": 3, "minute": 55}
